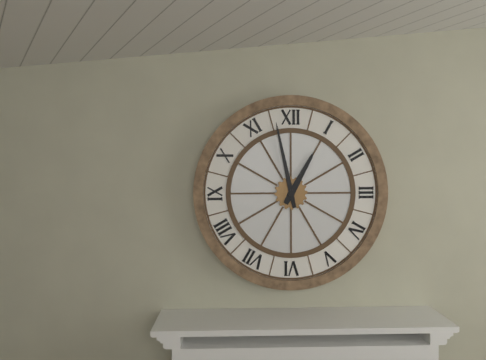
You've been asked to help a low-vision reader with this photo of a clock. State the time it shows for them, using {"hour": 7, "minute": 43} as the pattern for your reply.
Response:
{"hour": 12, "minute": 58}
